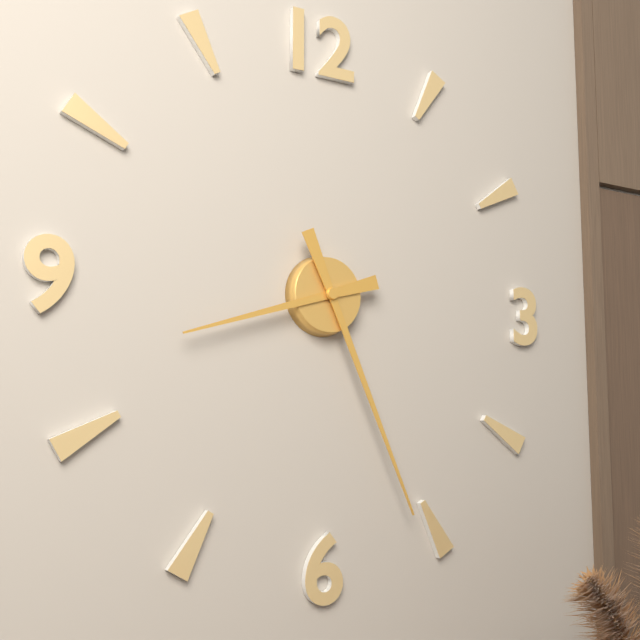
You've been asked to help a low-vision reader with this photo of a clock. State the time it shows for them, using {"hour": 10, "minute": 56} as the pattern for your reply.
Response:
{"hour": 8, "minute": 26}
